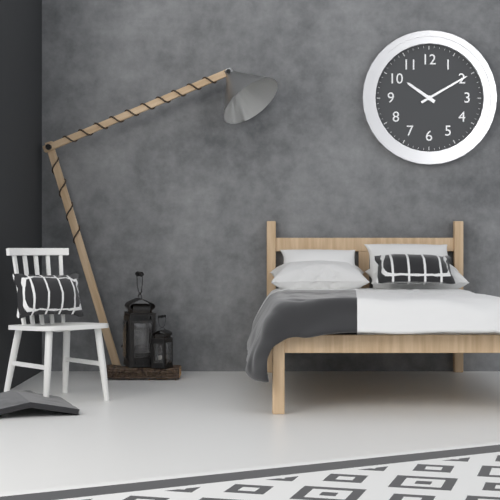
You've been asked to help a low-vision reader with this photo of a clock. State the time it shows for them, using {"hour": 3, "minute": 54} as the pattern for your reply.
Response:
{"hour": 10, "minute": 10}
